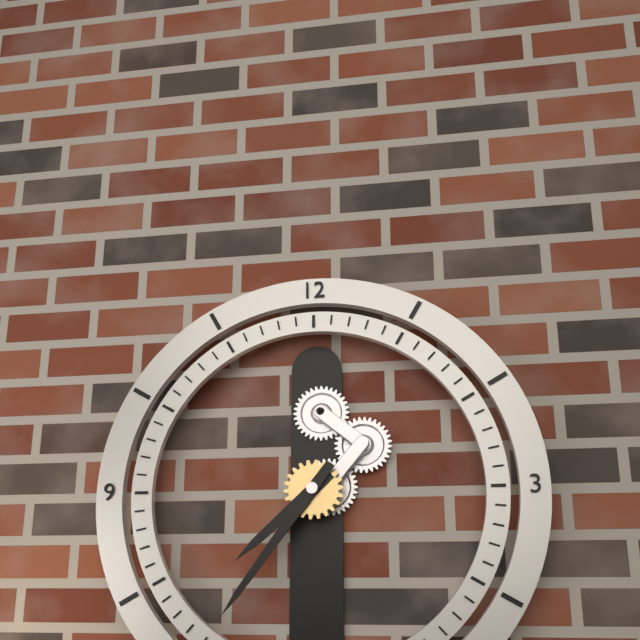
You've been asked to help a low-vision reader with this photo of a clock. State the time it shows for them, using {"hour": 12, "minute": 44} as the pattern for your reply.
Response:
{"hour": 7, "minute": 36}
